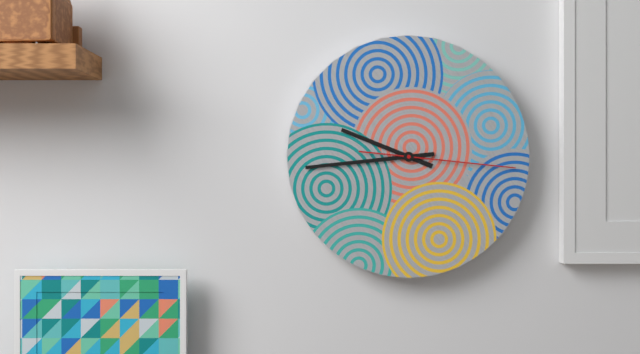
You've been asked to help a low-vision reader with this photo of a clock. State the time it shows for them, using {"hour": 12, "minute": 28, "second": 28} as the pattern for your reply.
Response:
{"hour": 9, "minute": 44, "second": 16}
